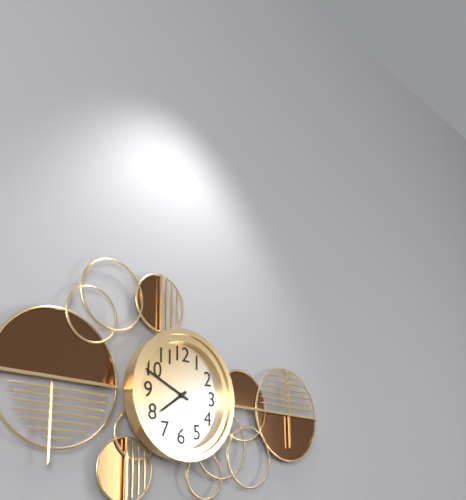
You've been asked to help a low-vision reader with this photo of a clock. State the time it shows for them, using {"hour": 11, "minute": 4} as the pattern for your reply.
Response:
{"hour": 7, "minute": 49}
